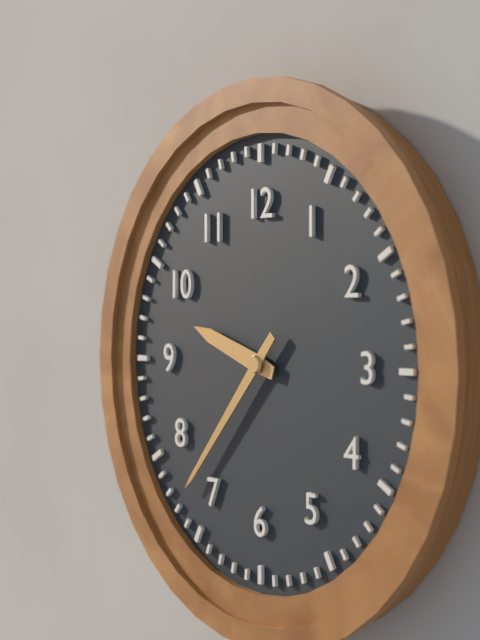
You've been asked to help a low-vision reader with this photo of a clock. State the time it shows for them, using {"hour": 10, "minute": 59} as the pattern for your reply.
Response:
{"hour": 9, "minute": 37}
